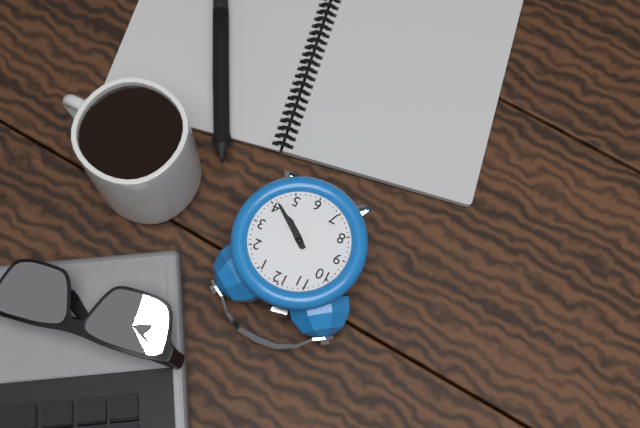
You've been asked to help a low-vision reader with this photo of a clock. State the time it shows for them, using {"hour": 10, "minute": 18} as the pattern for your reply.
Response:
{"hour": 4, "minute": 21}
